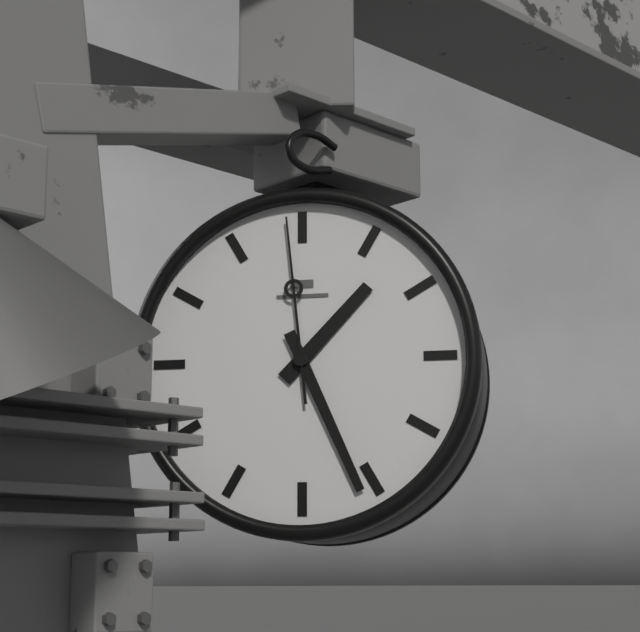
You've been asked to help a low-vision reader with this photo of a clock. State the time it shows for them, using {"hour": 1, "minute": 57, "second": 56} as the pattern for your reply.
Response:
{"hour": 1, "minute": 26, "second": 59}
